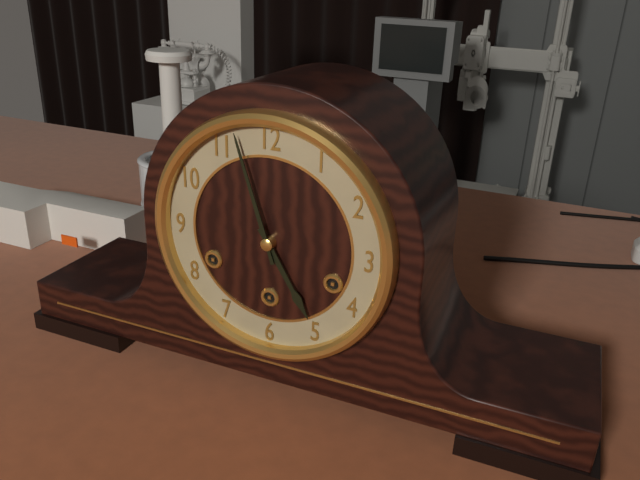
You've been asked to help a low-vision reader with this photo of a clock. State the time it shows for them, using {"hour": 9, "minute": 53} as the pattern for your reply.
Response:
{"hour": 4, "minute": 57}
